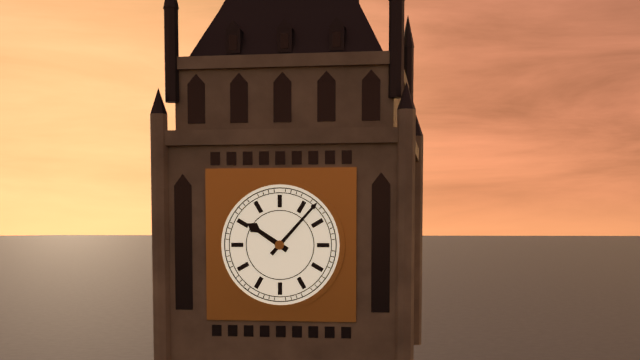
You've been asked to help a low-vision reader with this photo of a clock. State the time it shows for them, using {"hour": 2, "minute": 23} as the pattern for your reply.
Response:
{"hour": 10, "minute": 7}
